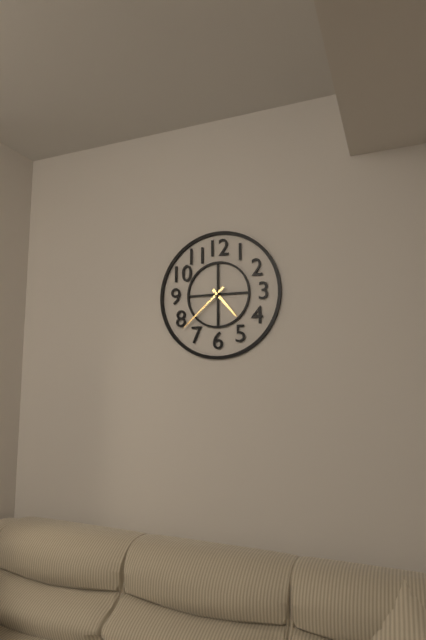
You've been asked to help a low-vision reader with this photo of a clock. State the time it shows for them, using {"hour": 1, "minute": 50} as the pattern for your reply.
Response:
{"hour": 4, "minute": 38}
